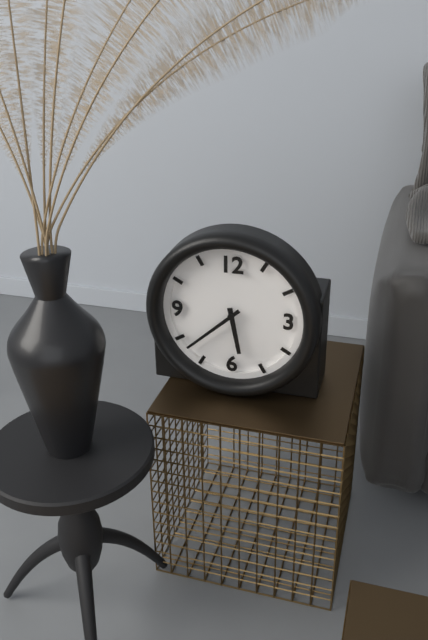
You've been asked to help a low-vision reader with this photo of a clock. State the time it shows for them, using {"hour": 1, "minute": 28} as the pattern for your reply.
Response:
{"hour": 5, "minute": 38}
